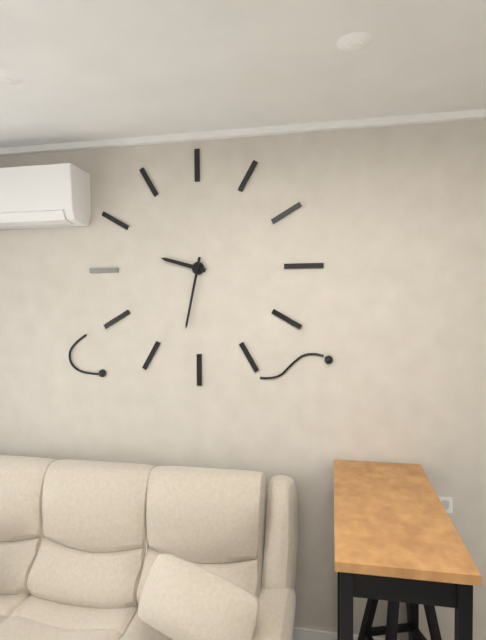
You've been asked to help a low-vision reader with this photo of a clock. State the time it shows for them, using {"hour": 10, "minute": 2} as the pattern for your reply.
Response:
{"hour": 9, "minute": 32}
